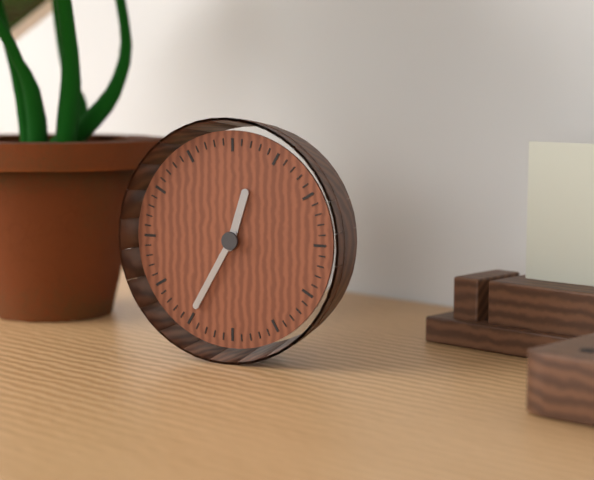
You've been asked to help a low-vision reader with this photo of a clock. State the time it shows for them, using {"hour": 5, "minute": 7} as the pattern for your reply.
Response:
{"hour": 12, "minute": 35}
